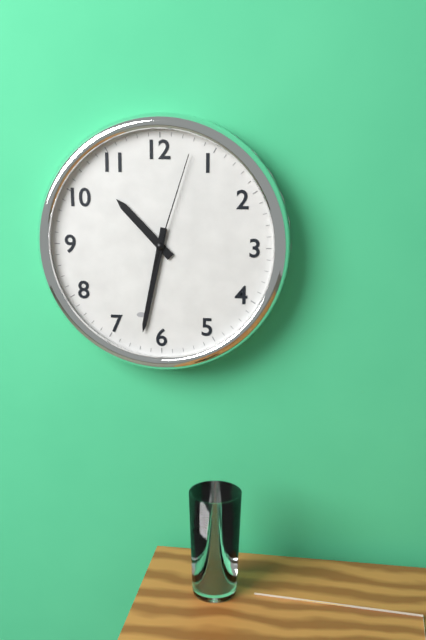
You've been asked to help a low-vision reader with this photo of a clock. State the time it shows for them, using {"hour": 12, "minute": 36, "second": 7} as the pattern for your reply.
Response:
{"hour": 10, "minute": 32, "second": 3}
